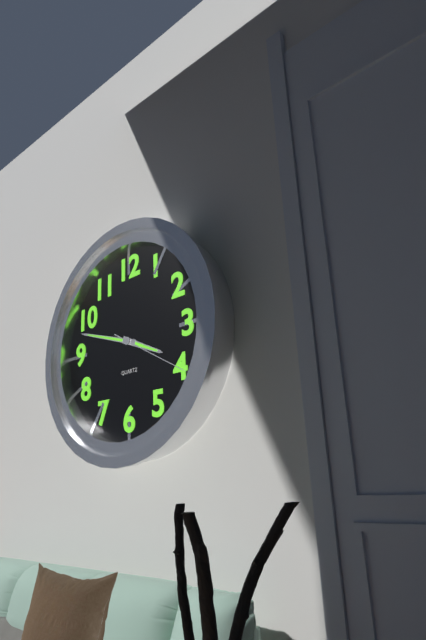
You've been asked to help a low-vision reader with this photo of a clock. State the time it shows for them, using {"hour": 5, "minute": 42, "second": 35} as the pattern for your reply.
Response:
{"hour": 3, "minute": 48, "second": 20}
